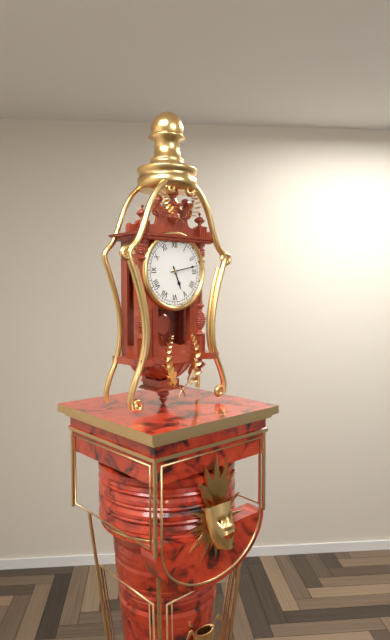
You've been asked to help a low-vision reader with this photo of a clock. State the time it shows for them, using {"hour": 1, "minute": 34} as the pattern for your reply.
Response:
{"hour": 5, "minute": 13}
